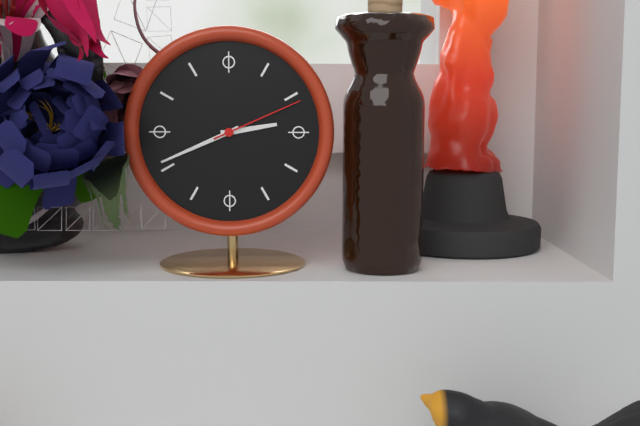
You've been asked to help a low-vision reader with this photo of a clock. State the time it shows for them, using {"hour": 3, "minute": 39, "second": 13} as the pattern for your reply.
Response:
{"hour": 2, "minute": 41, "second": 11}
